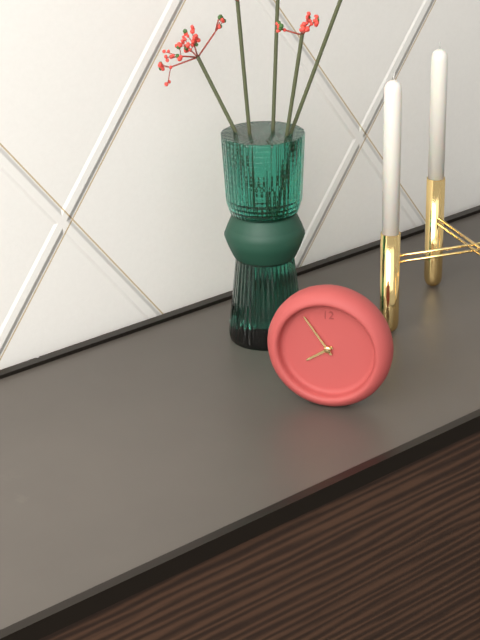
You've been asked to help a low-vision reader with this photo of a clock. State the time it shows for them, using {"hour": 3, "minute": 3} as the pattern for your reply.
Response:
{"hour": 7, "minute": 54}
